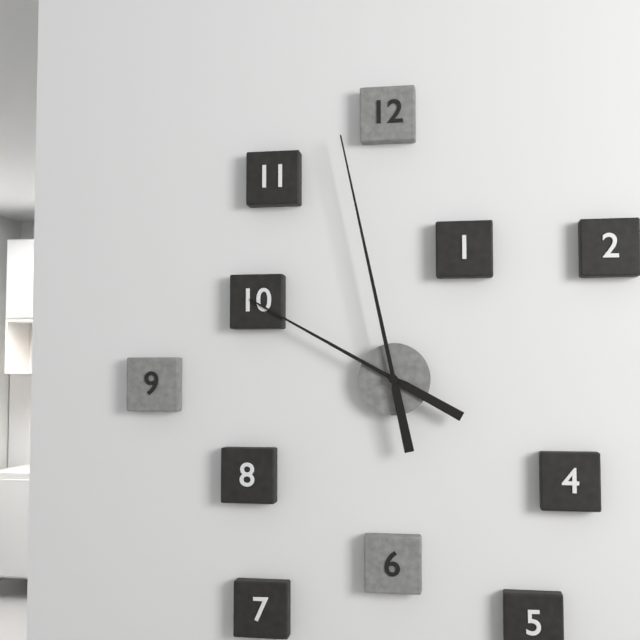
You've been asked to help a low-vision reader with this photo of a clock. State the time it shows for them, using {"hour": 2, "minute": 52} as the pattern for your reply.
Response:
{"hour": 9, "minute": 58}
